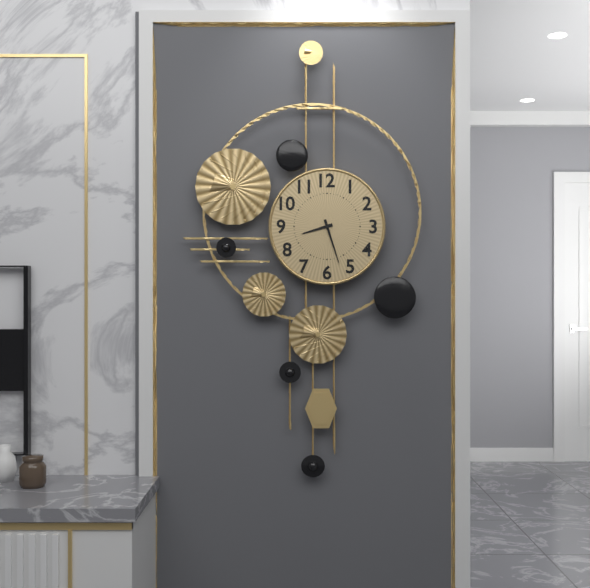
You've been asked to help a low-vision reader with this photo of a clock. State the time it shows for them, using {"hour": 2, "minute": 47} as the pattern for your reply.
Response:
{"hour": 8, "minute": 27}
